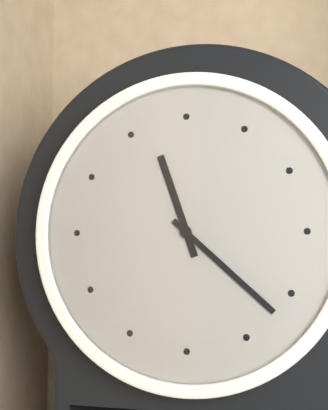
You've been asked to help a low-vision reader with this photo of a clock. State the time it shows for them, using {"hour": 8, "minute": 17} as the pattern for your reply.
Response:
{"hour": 11, "minute": 22}
